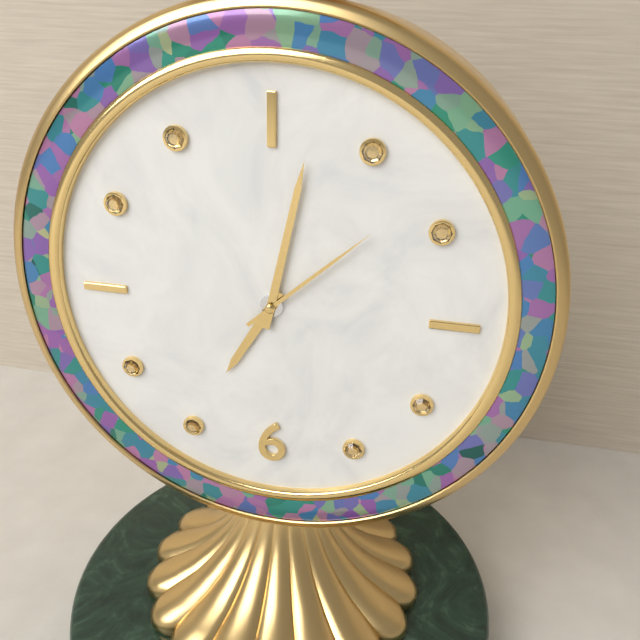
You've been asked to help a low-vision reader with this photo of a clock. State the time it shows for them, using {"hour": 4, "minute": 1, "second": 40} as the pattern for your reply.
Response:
{"hour": 7, "minute": 2, "second": 8}
